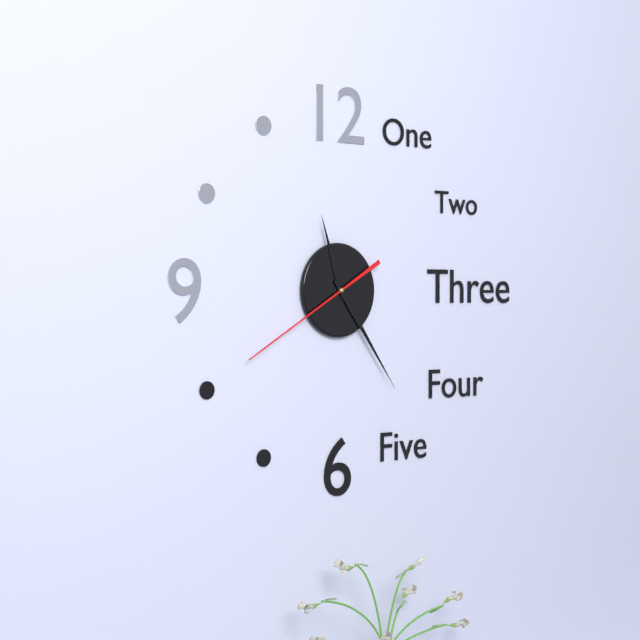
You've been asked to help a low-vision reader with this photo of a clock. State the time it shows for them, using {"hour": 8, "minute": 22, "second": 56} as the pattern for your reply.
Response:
{"hour": 11, "minute": 24, "second": 40}
